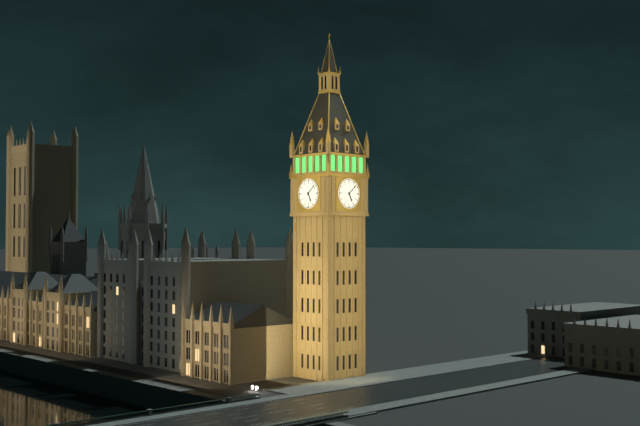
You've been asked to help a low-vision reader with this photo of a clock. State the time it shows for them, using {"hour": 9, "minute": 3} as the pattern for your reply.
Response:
{"hour": 5, "minute": 8}
